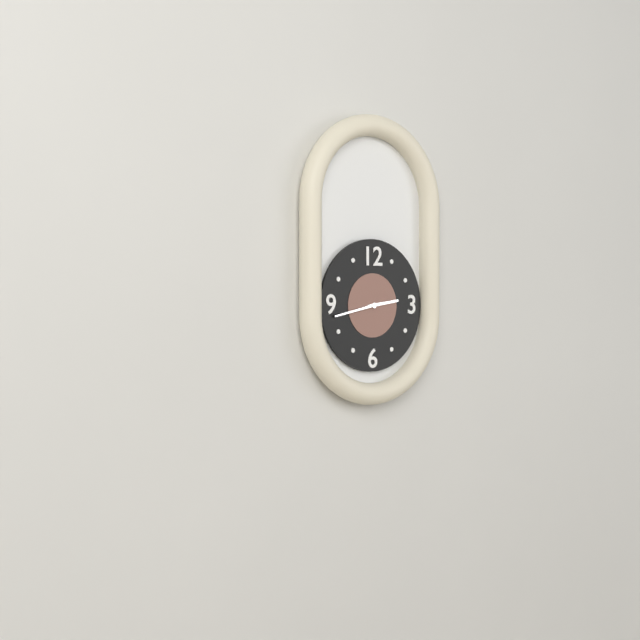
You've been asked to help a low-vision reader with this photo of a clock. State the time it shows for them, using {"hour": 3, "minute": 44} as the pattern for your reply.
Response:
{"hour": 2, "minute": 43}
